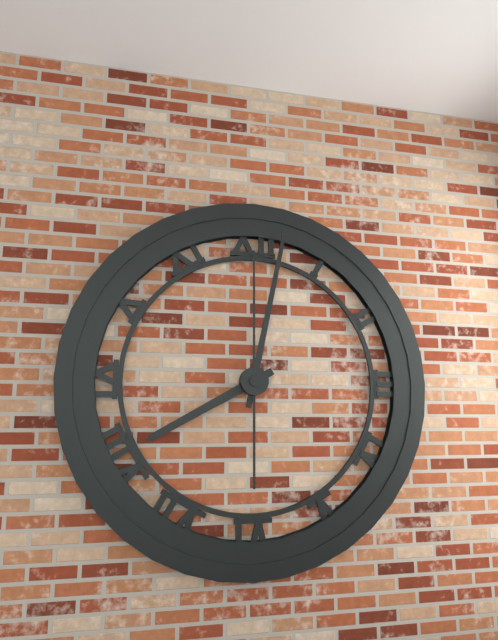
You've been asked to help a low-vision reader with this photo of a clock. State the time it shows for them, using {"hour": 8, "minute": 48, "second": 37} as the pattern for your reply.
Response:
{"hour": 8, "minute": 2, "second": 0}
